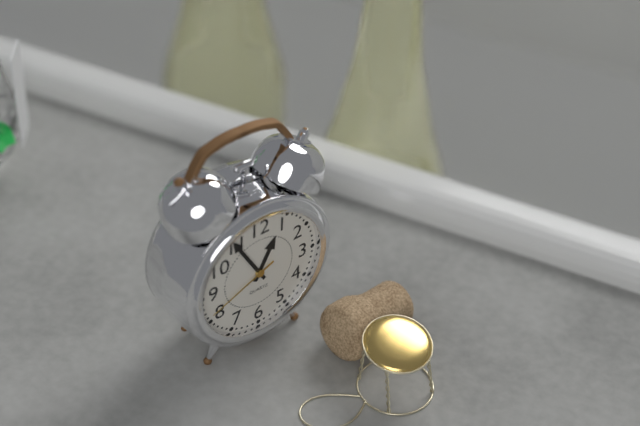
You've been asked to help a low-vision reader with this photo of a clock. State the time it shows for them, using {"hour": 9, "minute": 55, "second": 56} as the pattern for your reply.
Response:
{"hour": 12, "minute": 55, "second": 41}
